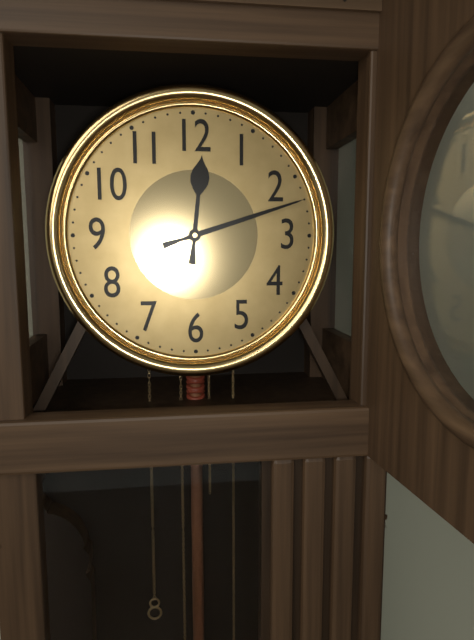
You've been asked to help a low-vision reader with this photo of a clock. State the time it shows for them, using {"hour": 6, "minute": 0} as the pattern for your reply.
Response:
{"hour": 12, "minute": 12}
